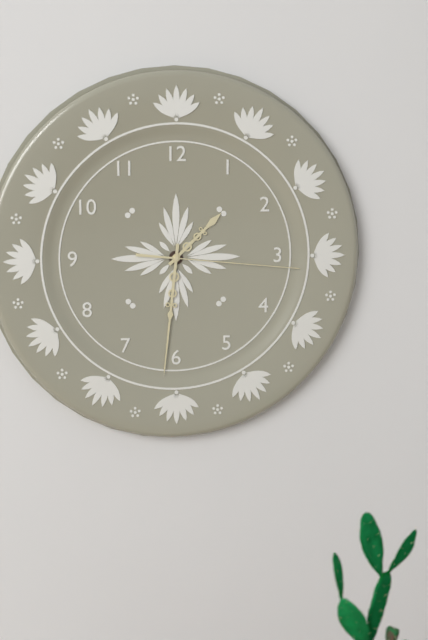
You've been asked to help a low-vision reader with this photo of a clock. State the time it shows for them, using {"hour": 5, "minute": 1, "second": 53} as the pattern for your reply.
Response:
{"hour": 1, "minute": 31, "second": 16}
